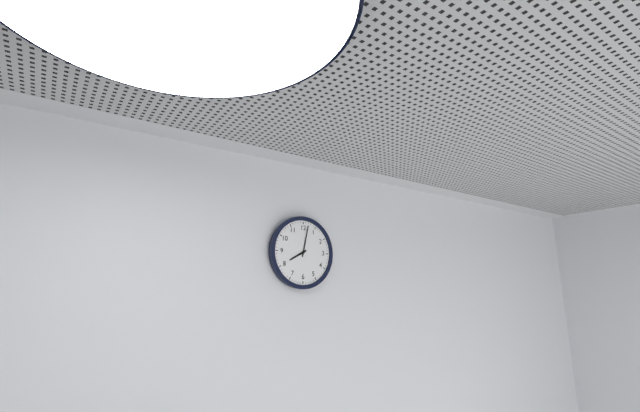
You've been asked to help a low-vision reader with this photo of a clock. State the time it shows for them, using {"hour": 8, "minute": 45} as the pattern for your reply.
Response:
{"hour": 8, "minute": 2}
